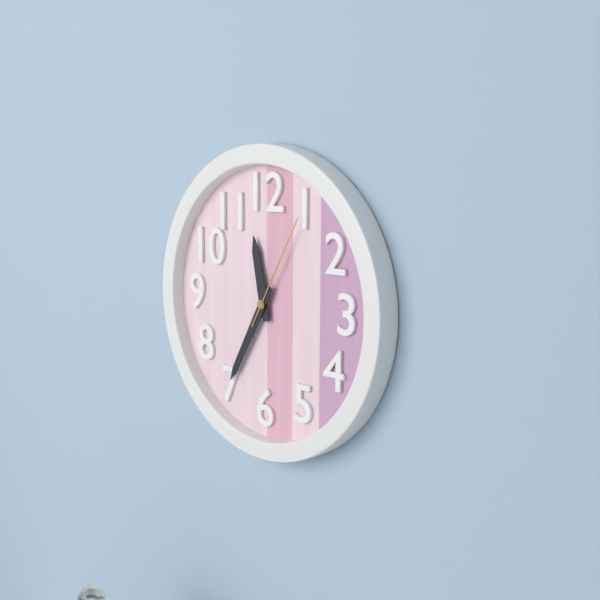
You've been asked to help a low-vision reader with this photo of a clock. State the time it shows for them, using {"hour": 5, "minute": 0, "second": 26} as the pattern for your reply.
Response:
{"hour": 11, "minute": 35, "second": 5}
